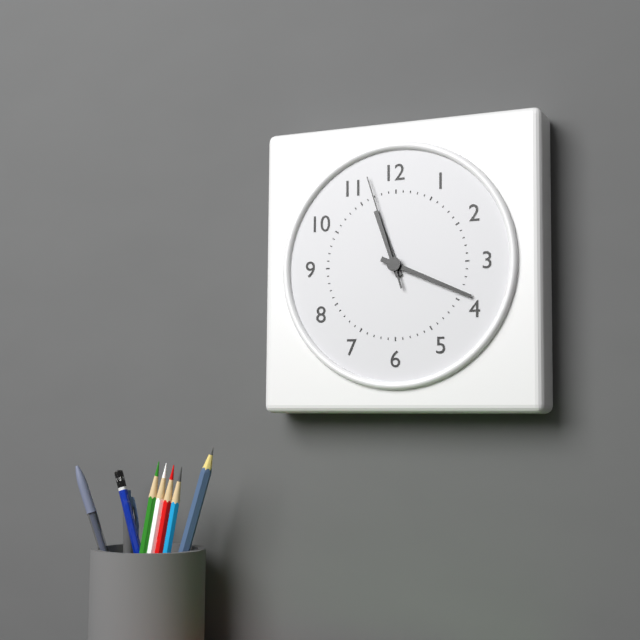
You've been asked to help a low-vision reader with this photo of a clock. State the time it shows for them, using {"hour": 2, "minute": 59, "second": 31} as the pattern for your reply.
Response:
{"hour": 11, "minute": 19, "second": 57}
